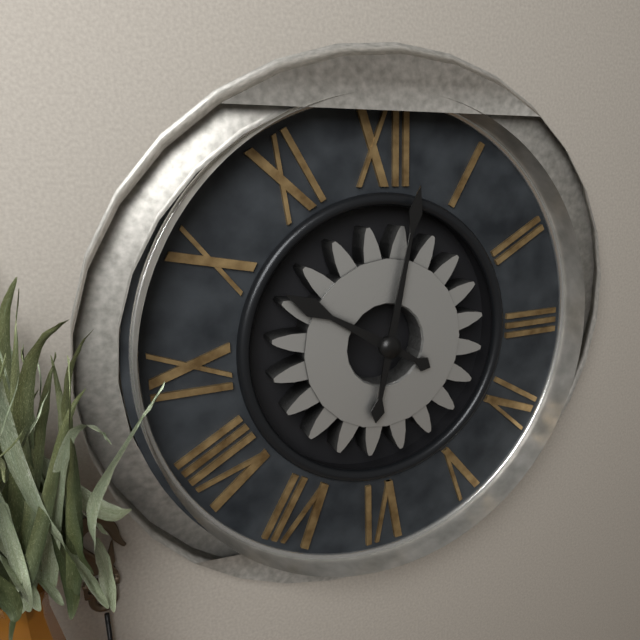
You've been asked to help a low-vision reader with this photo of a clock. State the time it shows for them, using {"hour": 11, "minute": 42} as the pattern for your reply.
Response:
{"hour": 10, "minute": 2}
